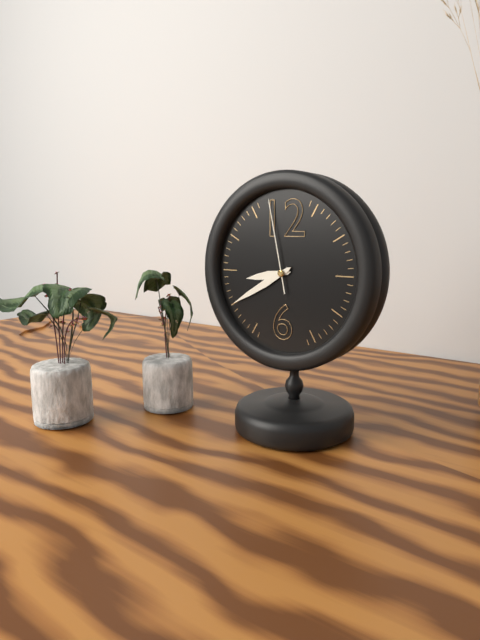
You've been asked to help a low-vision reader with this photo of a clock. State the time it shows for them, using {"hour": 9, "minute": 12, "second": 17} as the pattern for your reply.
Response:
{"hour": 8, "minute": 40, "second": 58}
